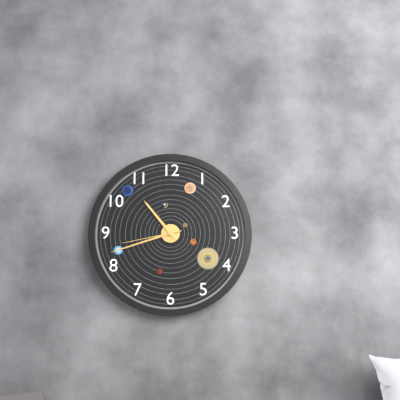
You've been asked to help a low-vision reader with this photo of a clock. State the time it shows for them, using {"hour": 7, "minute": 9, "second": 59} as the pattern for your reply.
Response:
{"hour": 10, "minute": 42, "second": 43}
